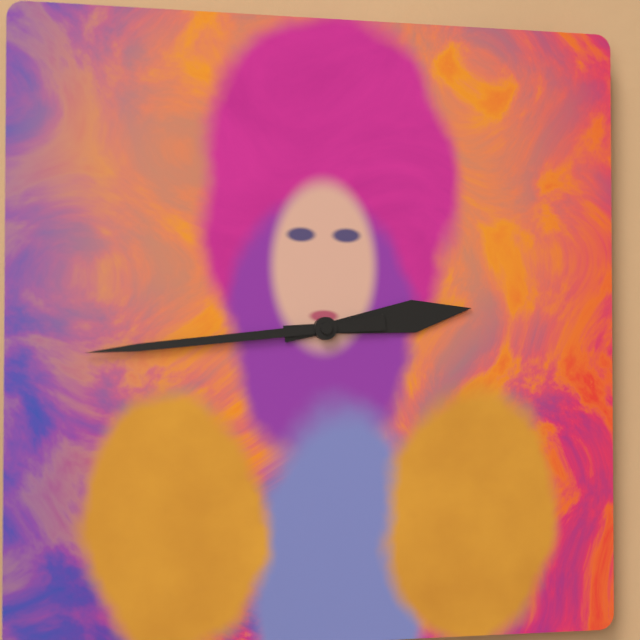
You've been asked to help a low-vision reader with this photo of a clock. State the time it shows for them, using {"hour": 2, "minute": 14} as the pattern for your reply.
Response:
{"hour": 2, "minute": 44}
